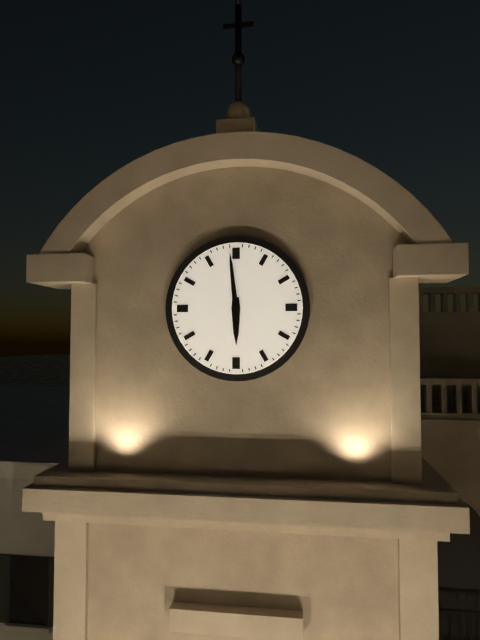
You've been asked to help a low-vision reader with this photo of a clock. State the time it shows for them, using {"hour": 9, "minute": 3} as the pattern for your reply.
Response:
{"hour": 5, "minute": 59}
